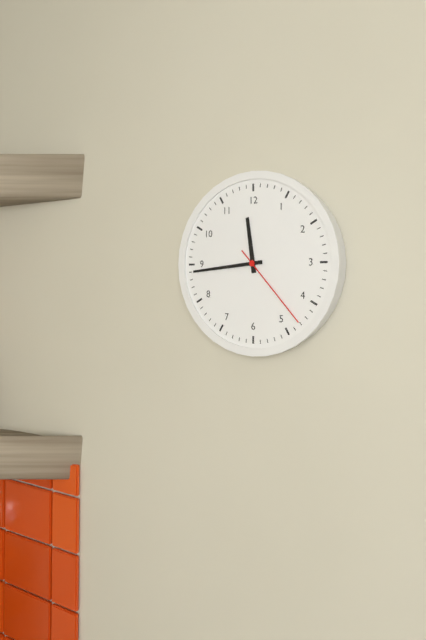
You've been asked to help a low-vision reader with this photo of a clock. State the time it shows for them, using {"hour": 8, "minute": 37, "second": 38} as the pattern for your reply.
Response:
{"hour": 11, "minute": 44, "second": 23}
